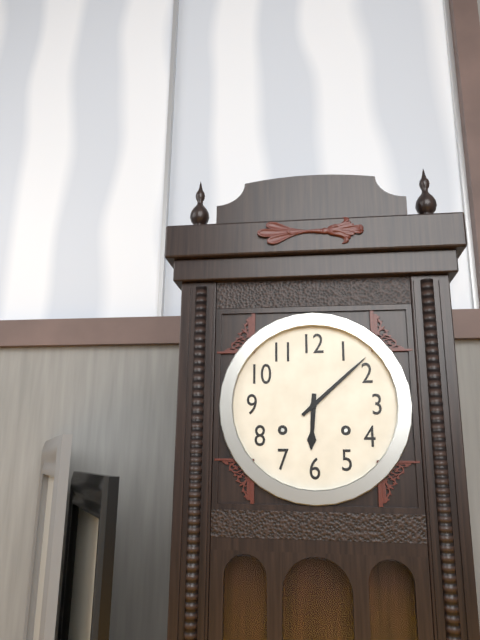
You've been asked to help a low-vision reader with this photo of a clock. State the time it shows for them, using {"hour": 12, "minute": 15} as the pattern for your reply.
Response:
{"hour": 6, "minute": 8}
